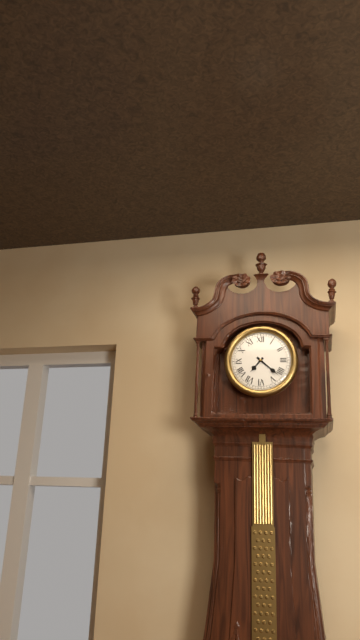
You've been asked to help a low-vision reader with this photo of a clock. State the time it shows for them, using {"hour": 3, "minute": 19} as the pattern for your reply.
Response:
{"hour": 7, "minute": 22}
